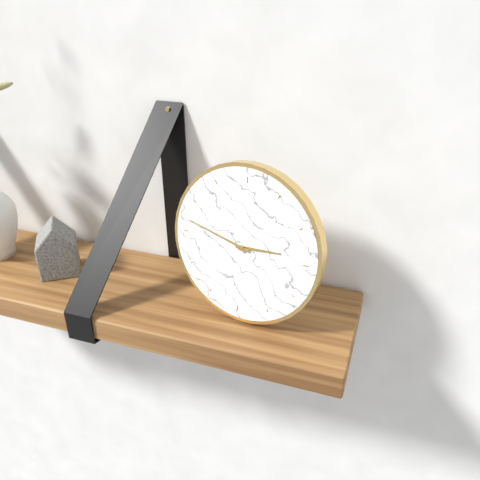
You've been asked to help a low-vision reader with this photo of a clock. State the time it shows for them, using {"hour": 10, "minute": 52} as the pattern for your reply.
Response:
{"hour": 2, "minute": 47}
